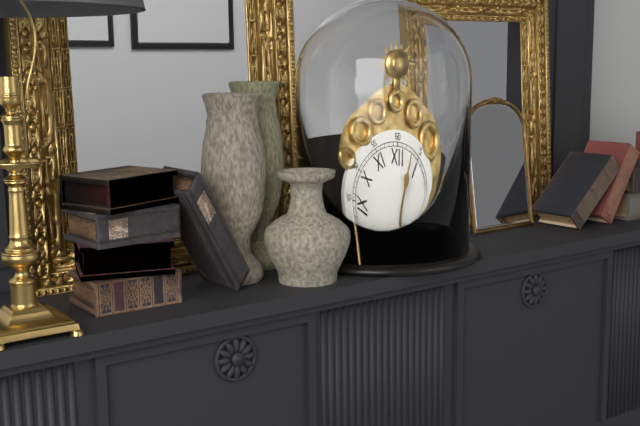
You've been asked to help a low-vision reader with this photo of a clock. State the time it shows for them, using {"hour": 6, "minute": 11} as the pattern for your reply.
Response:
{"hour": 4, "minute": 3}
